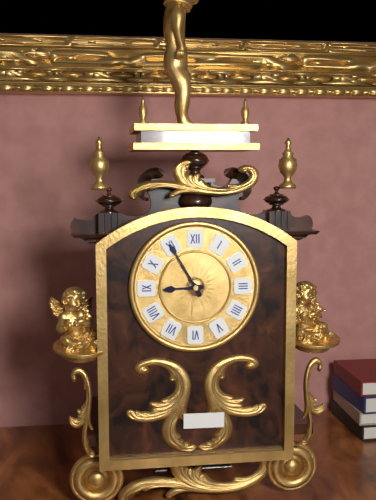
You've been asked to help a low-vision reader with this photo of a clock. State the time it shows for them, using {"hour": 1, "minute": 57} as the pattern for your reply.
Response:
{"hour": 8, "minute": 55}
